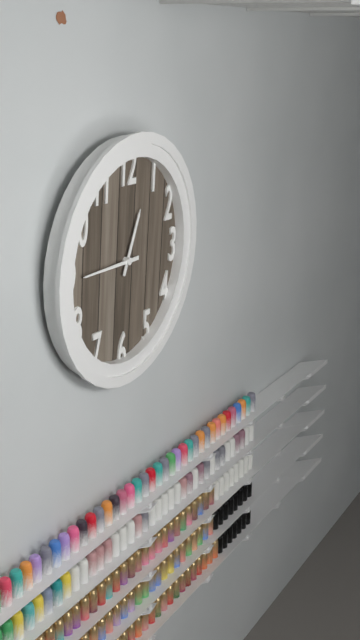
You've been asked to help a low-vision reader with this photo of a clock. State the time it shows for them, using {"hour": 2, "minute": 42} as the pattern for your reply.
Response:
{"hour": 12, "minute": 45}
